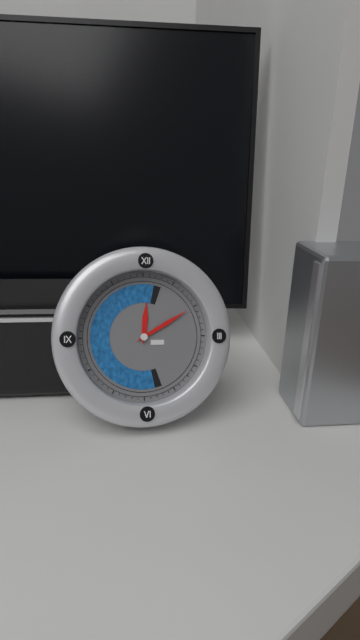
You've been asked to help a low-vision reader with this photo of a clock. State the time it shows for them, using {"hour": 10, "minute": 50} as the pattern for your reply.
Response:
{"hour": 12, "minute": 10}
